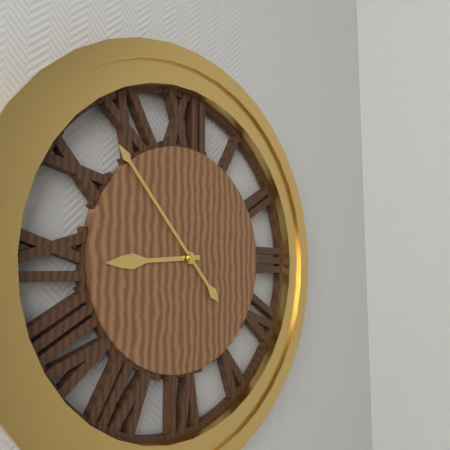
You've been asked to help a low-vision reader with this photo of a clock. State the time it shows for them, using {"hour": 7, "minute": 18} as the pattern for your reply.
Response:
{"hour": 8, "minute": 53}
